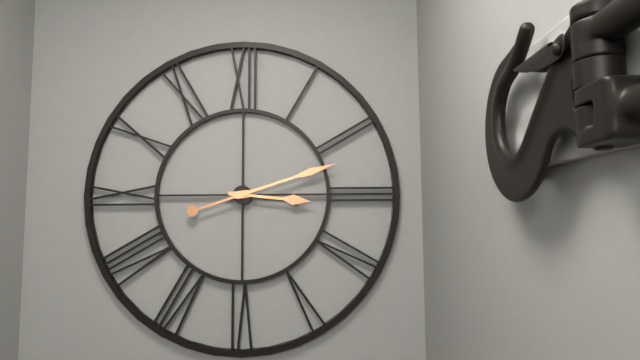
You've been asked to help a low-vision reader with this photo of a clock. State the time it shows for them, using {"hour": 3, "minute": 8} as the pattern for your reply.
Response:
{"hour": 3, "minute": 12}
